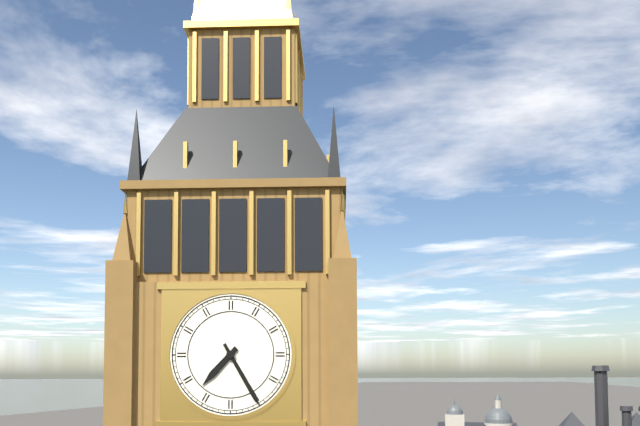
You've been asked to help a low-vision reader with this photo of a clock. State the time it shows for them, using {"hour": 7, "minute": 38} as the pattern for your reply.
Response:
{"hour": 7, "minute": 25}
